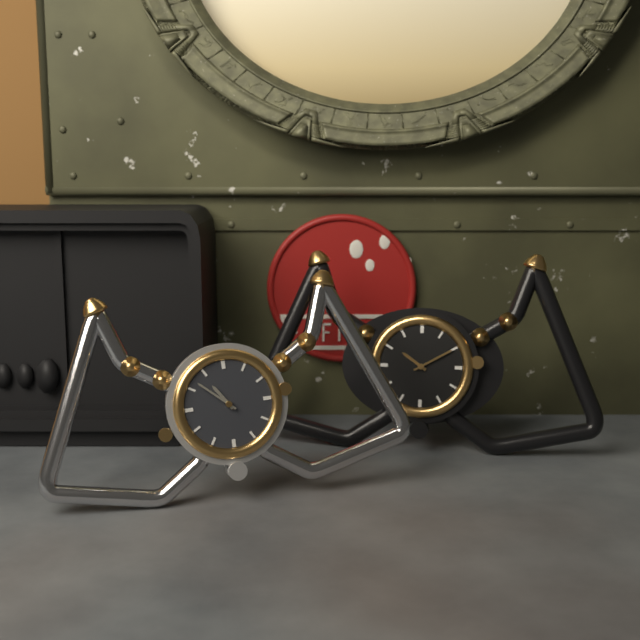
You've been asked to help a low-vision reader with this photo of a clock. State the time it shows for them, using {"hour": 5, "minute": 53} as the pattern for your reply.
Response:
{"hour": 10, "minute": 52}
